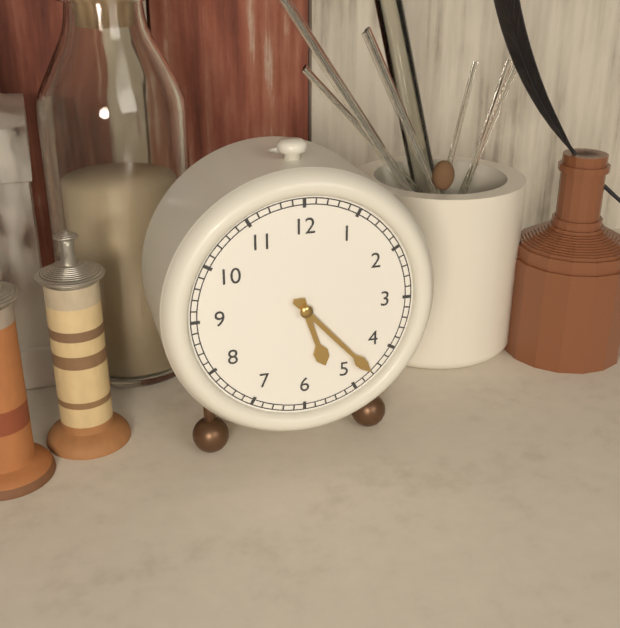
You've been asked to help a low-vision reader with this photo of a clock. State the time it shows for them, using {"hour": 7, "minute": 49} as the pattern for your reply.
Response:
{"hour": 5, "minute": 23}
